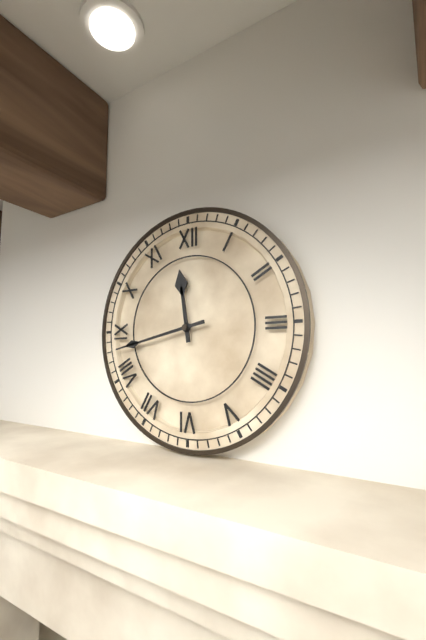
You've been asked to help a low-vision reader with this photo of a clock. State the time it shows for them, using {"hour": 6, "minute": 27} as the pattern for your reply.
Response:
{"hour": 11, "minute": 43}
